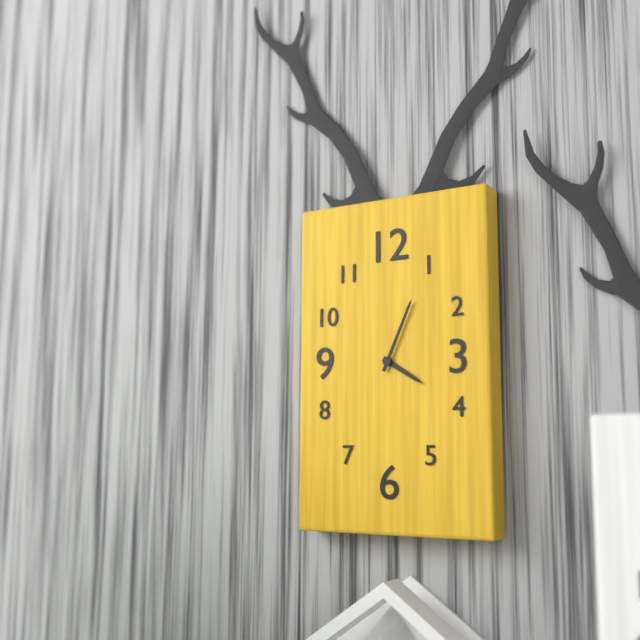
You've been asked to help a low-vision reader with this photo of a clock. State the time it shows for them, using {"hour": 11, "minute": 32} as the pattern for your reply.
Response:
{"hour": 4, "minute": 4}
